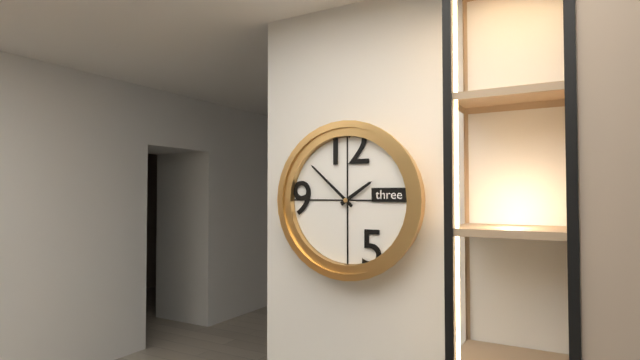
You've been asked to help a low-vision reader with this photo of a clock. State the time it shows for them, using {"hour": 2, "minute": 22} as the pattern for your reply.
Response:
{"hour": 1, "minute": 52}
